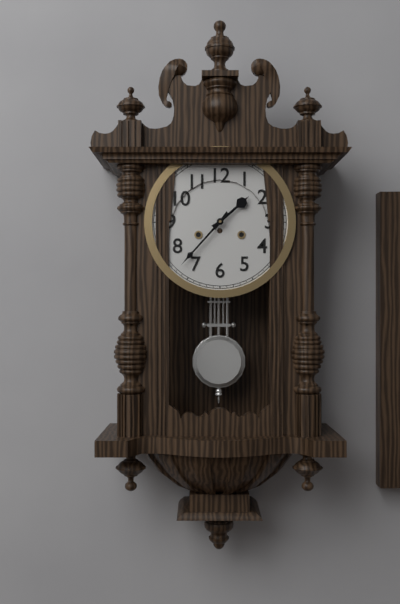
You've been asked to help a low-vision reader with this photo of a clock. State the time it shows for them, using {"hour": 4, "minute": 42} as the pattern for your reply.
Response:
{"hour": 1, "minute": 37}
